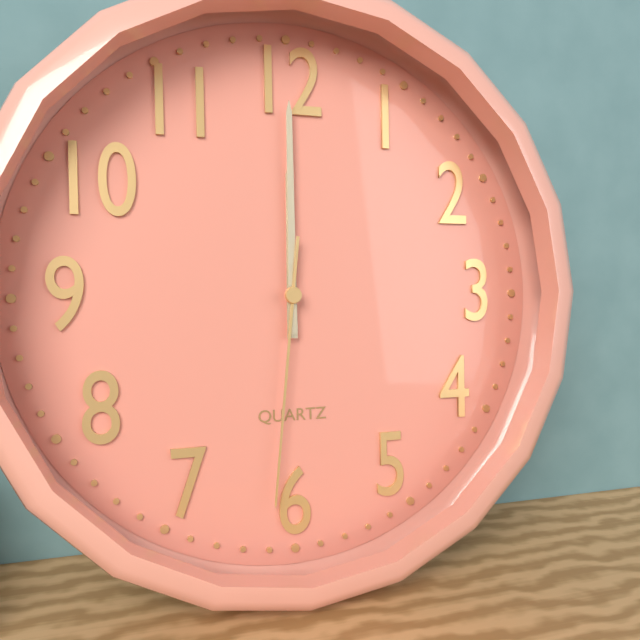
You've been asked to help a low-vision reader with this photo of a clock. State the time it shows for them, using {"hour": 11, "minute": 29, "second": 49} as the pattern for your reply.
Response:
{"hour": 12, "minute": 0, "second": 31}
